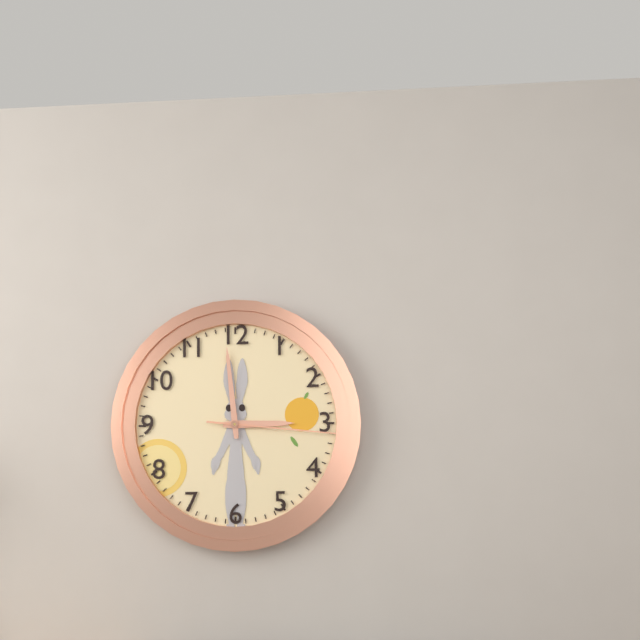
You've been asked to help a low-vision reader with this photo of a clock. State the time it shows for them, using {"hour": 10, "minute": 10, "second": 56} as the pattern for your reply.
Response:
{"hour": 2, "minute": 59, "second": 16}
